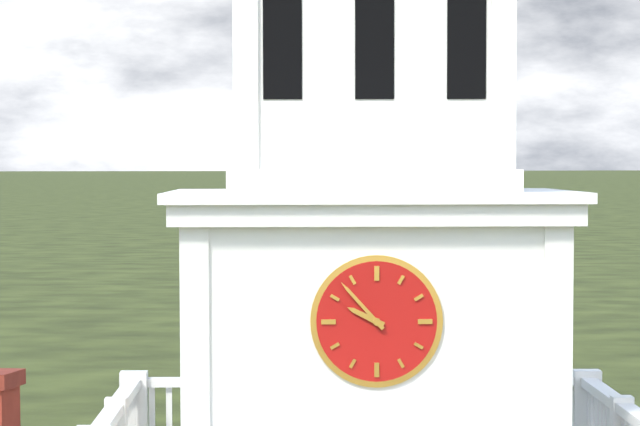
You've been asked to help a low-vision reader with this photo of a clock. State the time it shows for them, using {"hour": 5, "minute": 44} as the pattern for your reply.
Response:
{"hour": 9, "minute": 53}
